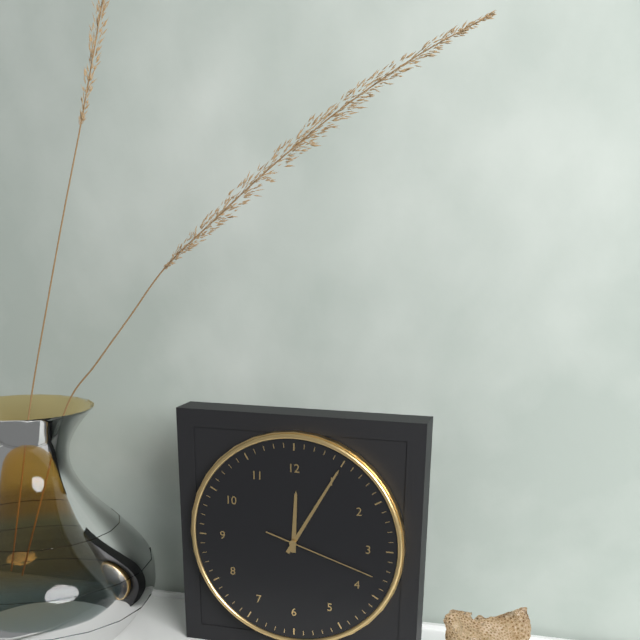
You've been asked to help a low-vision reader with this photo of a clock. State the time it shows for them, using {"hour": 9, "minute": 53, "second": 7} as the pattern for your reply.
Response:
{"hour": 12, "minute": 5, "second": 18}
